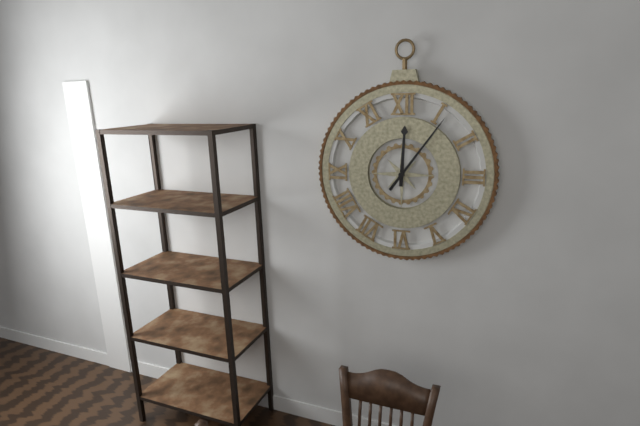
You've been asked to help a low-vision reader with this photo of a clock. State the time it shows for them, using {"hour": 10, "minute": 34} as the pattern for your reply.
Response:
{"hour": 12, "minute": 6}
